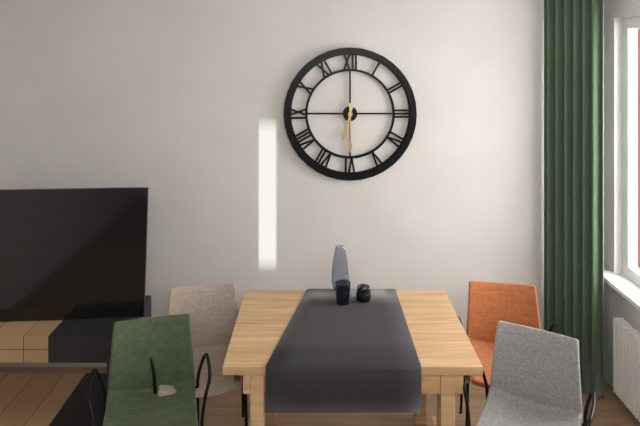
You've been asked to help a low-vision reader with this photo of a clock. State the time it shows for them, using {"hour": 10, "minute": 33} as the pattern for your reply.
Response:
{"hour": 6, "minute": 30}
